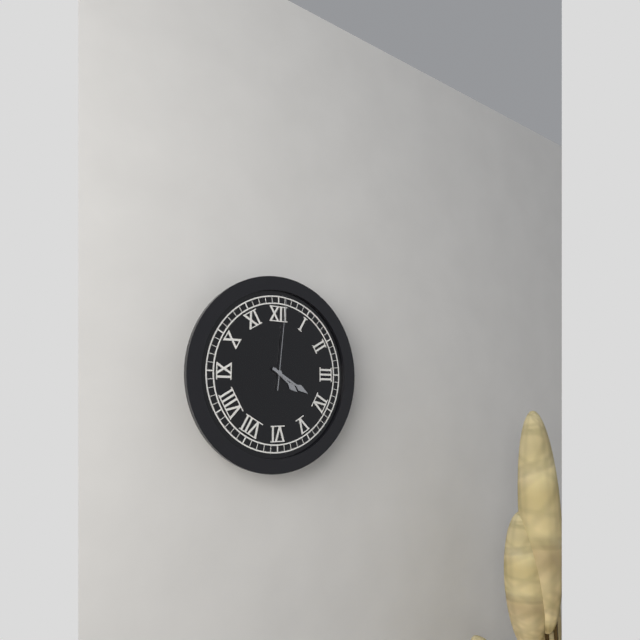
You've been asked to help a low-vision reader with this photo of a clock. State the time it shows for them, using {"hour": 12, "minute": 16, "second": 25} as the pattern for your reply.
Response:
{"hour": 4, "minute": 20, "second": 1}
